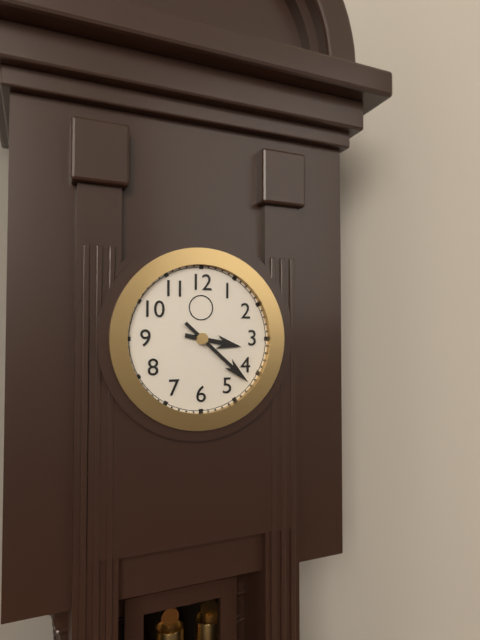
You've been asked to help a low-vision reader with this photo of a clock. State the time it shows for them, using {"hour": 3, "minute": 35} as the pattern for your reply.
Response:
{"hour": 3, "minute": 22}
